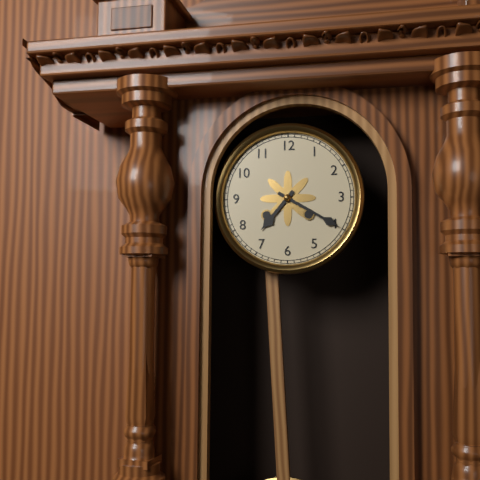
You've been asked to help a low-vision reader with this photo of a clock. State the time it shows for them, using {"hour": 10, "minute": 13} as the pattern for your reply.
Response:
{"hour": 7, "minute": 20}
